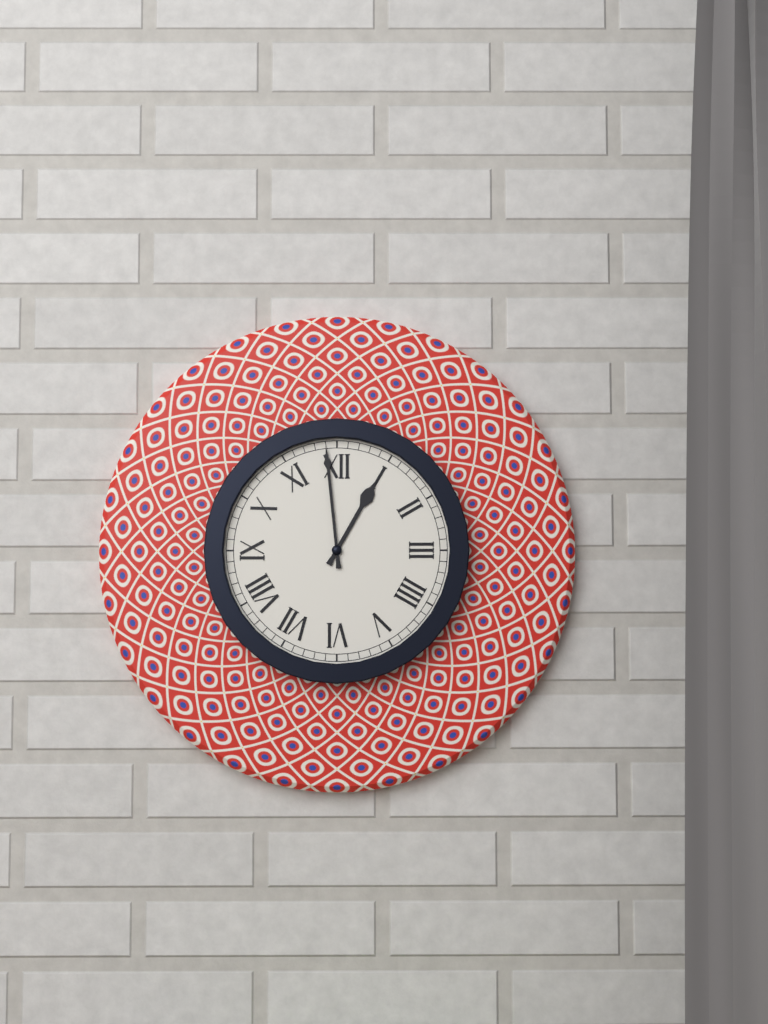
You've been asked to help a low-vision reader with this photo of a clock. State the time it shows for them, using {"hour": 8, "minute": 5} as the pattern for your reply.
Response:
{"hour": 12, "minute": 59}
